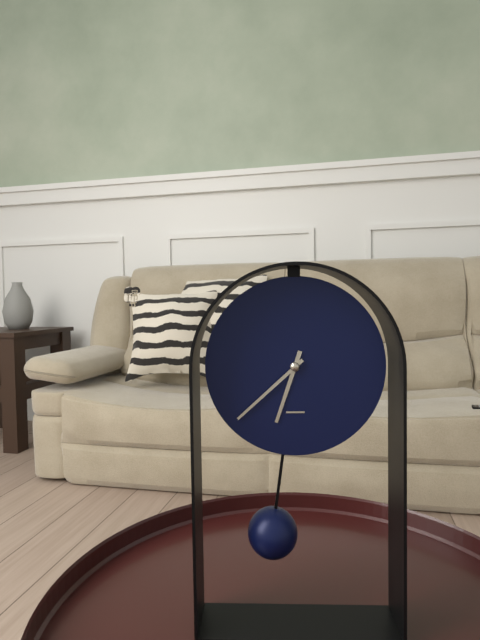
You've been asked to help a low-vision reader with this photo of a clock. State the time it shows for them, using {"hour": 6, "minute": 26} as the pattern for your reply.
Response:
{"hour": 6, "minute": 38}
